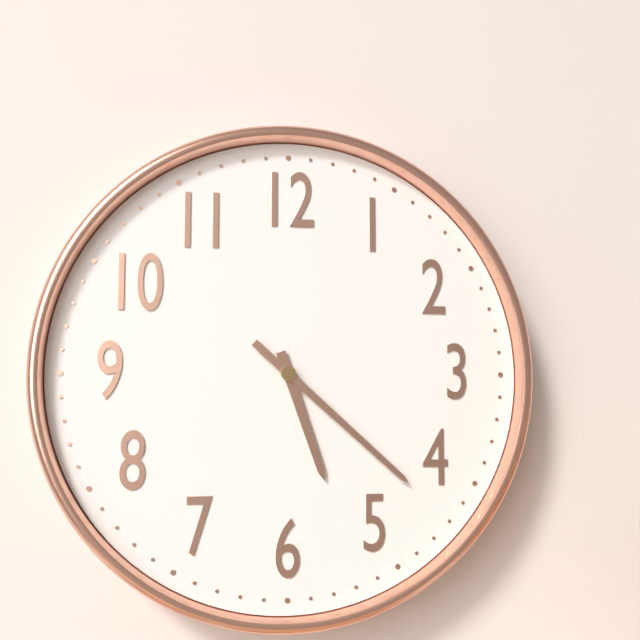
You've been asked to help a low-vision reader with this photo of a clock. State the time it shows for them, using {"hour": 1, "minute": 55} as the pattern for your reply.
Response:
{"hour": 5, "minute": 22}
